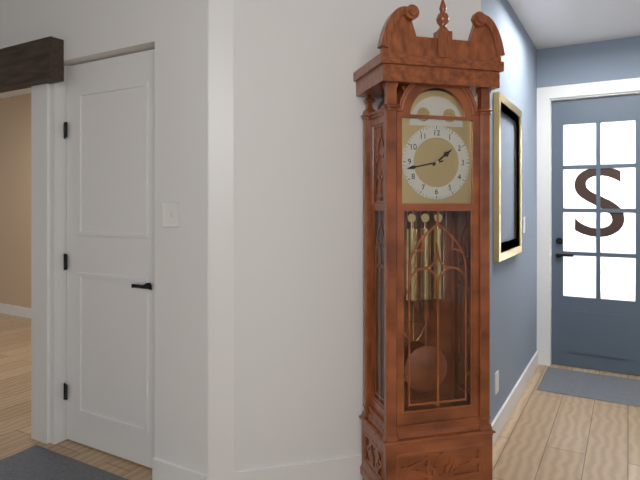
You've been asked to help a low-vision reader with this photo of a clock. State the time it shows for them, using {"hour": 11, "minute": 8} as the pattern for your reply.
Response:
{"hour": 1, "minute": 43}
